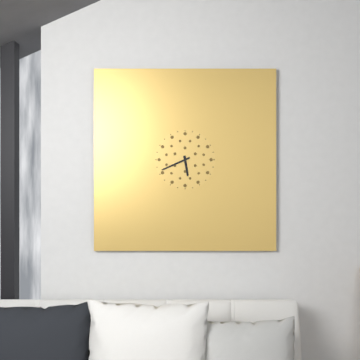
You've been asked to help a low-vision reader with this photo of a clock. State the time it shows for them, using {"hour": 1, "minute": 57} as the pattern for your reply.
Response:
{"hour": 5, "minute": 41}
